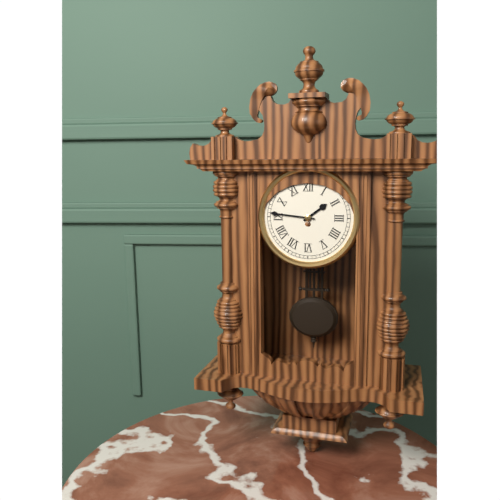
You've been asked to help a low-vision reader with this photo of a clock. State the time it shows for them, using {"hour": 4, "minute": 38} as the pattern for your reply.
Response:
{"hour": 1, "minute": 46}
